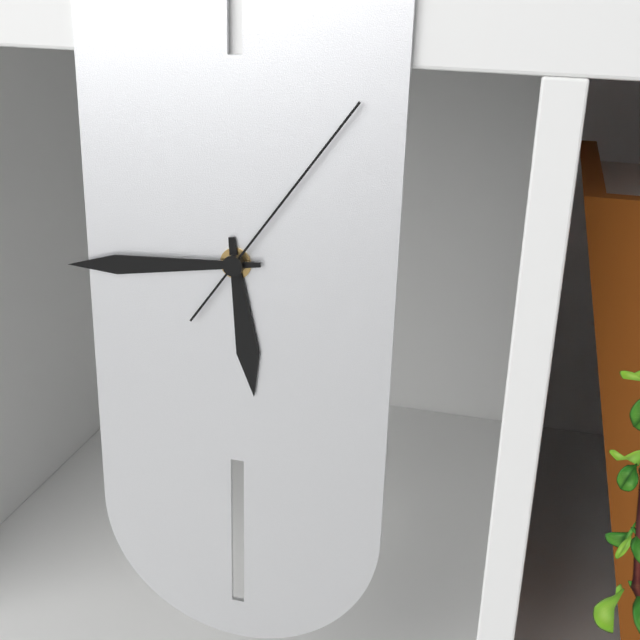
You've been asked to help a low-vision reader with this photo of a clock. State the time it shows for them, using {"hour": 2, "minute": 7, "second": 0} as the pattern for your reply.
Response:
{"hour": 5, "minute": 44, "second": 6}
